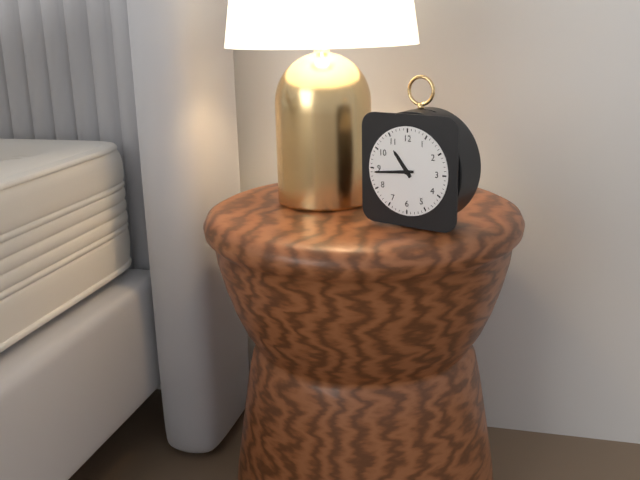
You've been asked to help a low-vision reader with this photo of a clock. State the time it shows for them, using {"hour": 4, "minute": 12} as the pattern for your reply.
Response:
{"hour": 10, "minute": 44}
